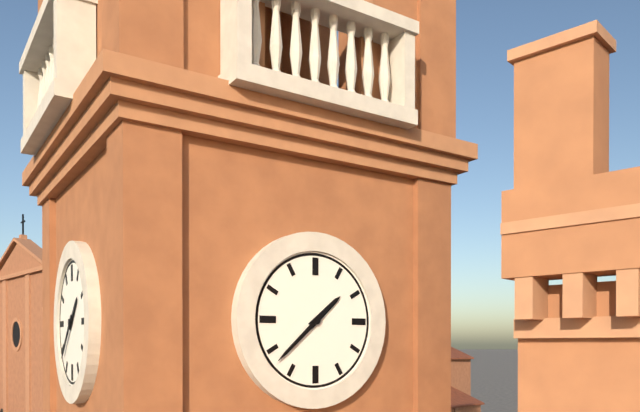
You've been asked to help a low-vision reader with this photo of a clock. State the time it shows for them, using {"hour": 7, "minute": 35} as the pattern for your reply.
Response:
{"hour": 1, "minute": 38}
